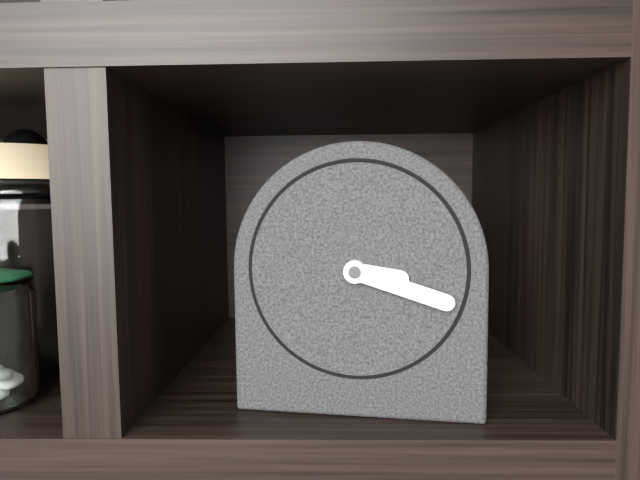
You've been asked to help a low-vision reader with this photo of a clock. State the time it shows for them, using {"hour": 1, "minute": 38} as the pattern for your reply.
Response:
{"hour": 3, "minute": 18}
